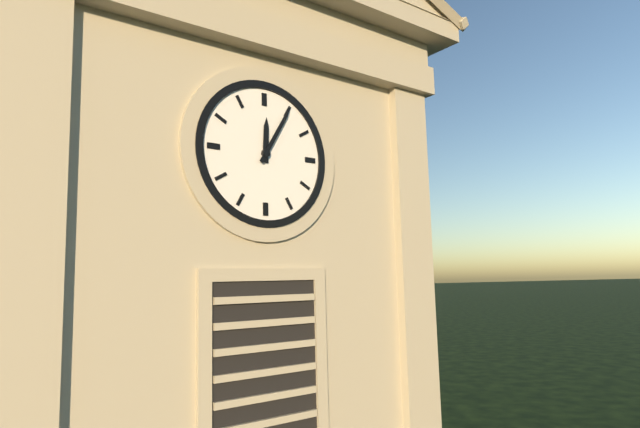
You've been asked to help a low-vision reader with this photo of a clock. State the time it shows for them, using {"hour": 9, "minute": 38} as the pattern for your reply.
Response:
{"hour": 12, "minute": 5}
